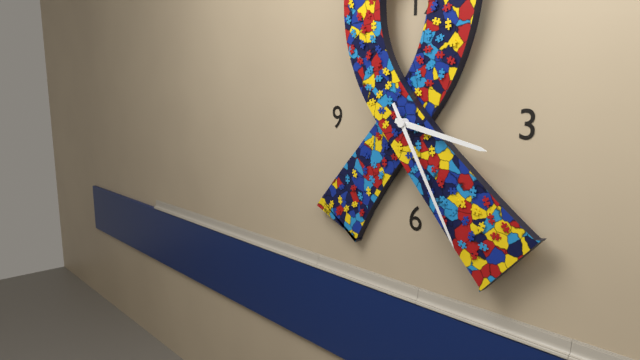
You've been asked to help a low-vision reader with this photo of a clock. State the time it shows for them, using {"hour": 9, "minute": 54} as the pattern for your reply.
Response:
{"hour": 3, "minute": 25}
